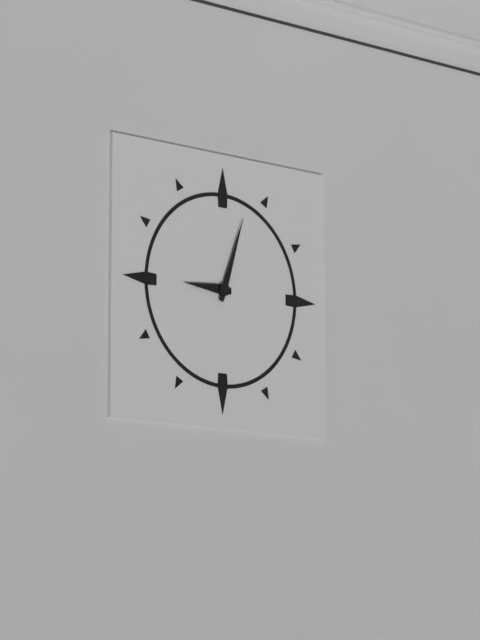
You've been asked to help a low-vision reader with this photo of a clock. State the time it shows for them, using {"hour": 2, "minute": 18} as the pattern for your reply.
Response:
{"hour": 9, "minute": 3}
